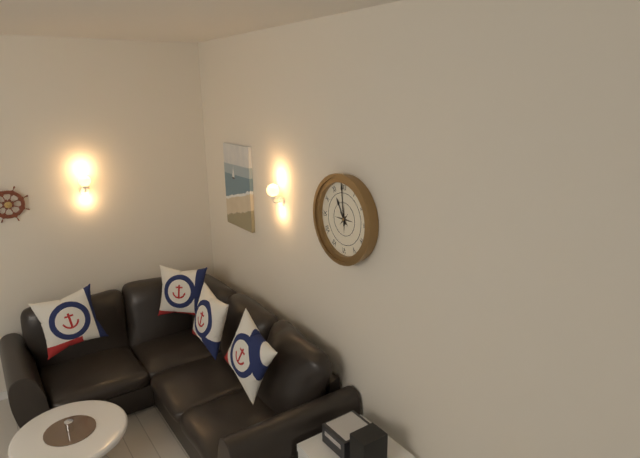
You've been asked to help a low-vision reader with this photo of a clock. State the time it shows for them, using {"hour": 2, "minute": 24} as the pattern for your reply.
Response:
{"hour": 10, "minute": 59}
